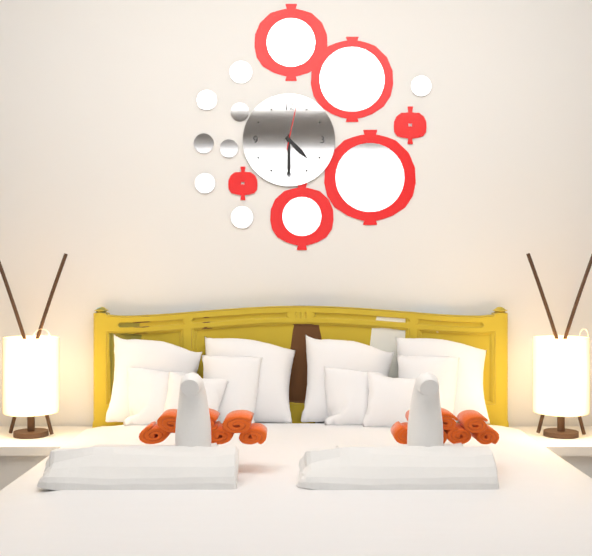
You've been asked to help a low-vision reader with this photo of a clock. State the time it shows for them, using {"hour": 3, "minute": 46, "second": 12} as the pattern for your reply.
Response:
{"hour": 4, "minute": 30, "second": 2}
